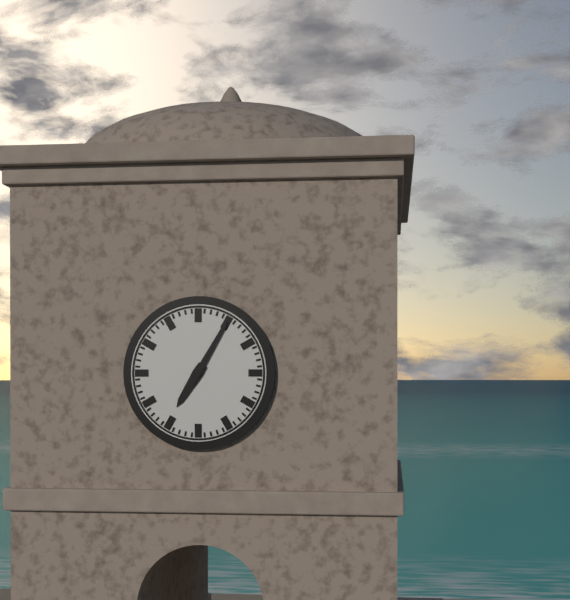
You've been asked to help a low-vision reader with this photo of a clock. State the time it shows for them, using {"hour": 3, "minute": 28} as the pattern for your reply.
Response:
{"hour": 7, "minute": 5}
